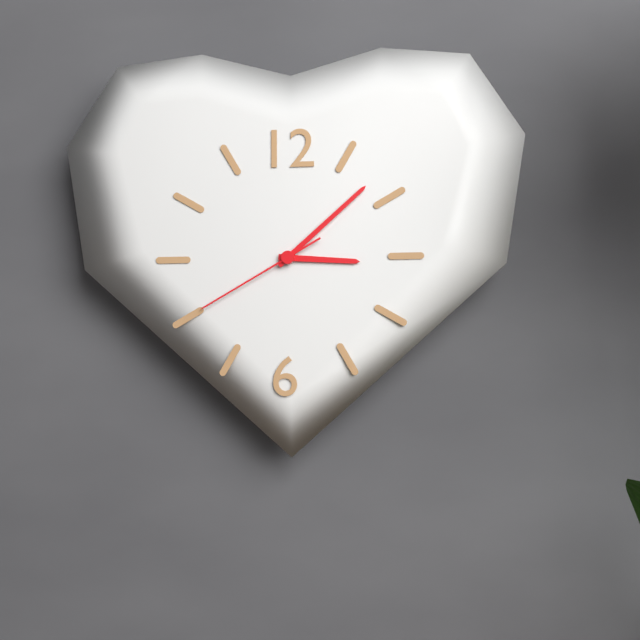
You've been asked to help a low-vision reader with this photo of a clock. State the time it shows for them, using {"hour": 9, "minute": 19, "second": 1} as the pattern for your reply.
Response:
{"hour": 3, "minute": 8, "second": 40}
